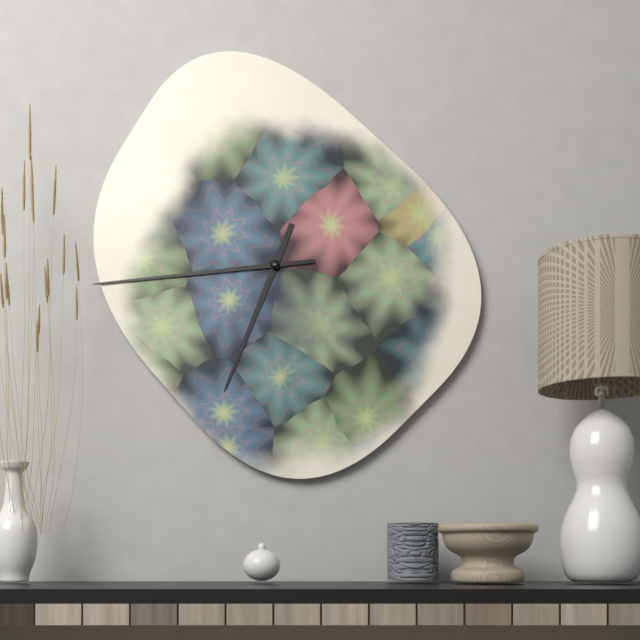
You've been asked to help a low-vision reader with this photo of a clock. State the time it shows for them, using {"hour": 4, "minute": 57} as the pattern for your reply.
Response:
{"hour": 6, "minute": 44}
